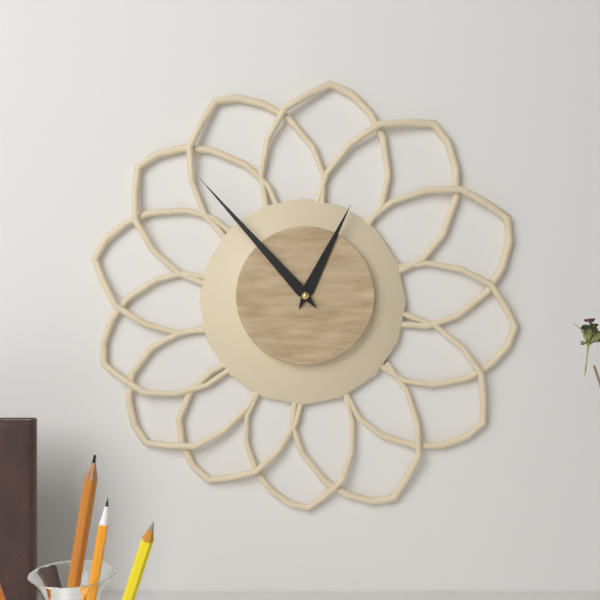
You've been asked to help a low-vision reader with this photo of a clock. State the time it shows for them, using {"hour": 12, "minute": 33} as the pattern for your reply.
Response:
{"hour": 12, "minute": 53}
